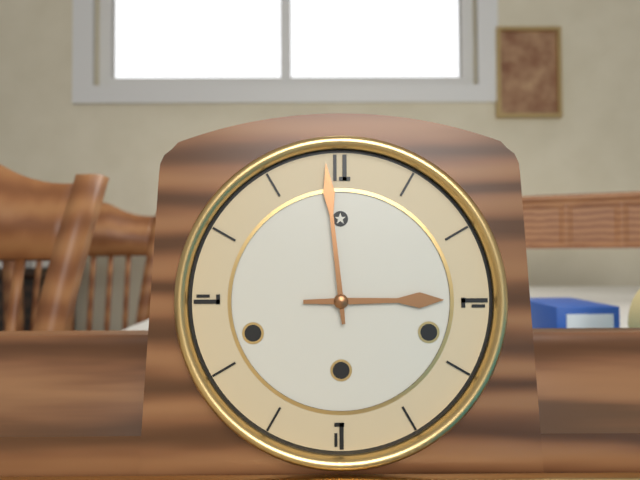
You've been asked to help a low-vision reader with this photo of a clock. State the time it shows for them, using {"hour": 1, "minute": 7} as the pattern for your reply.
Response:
{"hour": 2, "minute": 59}
